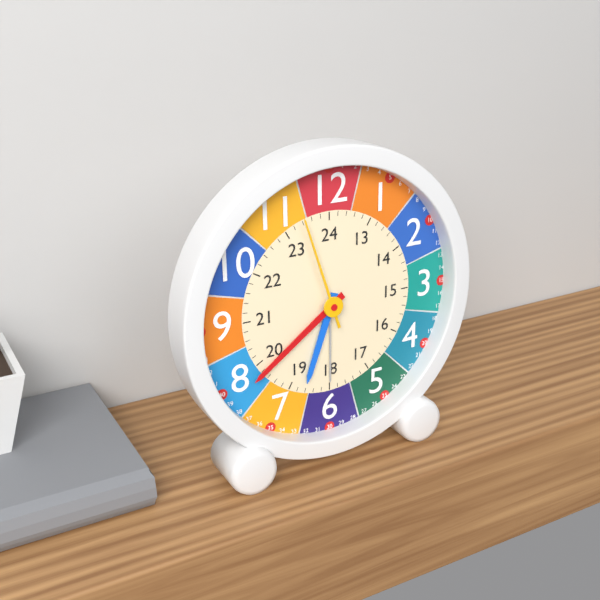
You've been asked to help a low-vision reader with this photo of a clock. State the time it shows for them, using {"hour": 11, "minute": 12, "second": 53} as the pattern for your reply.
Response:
{"hour": 6, "minute": 39, "second": 57}
